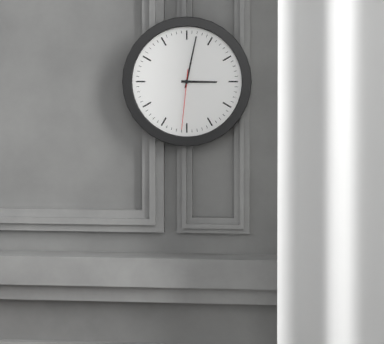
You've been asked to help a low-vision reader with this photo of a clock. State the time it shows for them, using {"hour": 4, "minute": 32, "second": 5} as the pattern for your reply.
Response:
{"hour": 3, "minute": 2, "second": 31}
